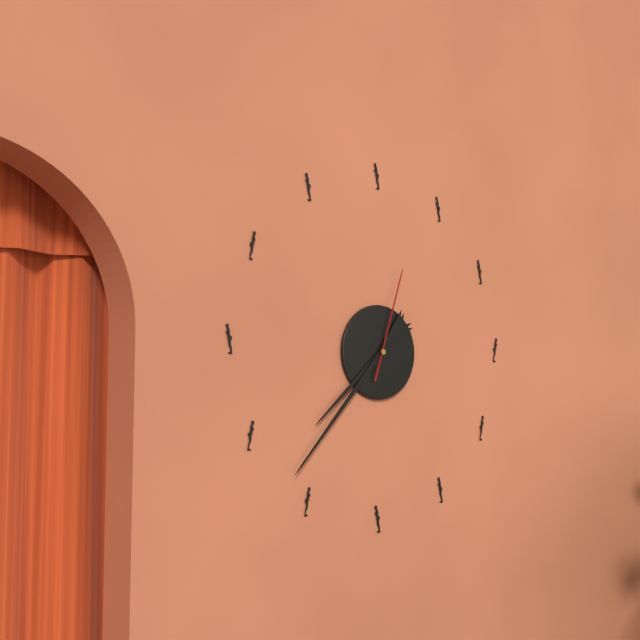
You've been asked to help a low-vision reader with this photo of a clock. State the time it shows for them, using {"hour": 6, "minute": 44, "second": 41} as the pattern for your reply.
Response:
{"hour": 7, "minute": 37, "second": 3}
